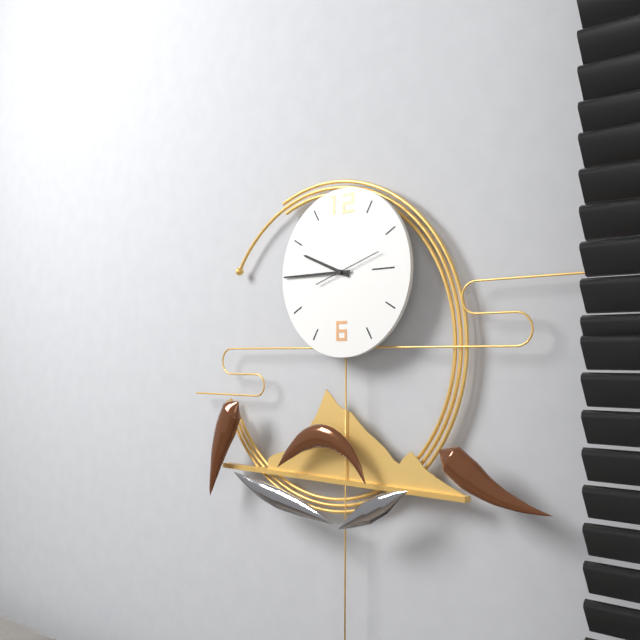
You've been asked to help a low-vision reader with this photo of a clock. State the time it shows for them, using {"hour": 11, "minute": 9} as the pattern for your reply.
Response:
{"hour": 9, "minute": 45}
